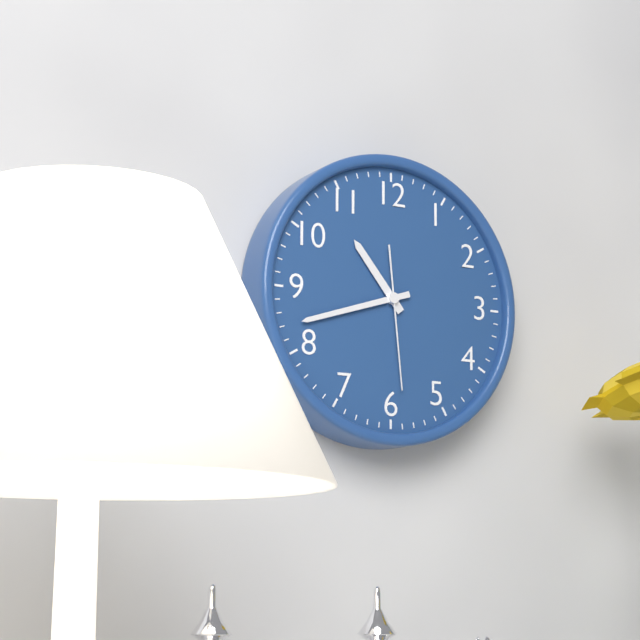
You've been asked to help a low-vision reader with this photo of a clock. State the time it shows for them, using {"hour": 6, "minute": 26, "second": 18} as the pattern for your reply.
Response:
{"hour": 10, "minute": 42, "second": 29}
